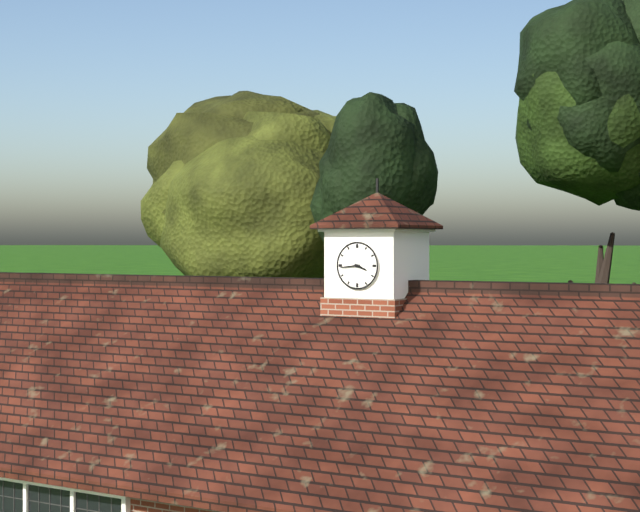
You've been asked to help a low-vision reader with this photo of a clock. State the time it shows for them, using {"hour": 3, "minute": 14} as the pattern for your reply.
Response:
{"hour": 3, "minute": 44}
